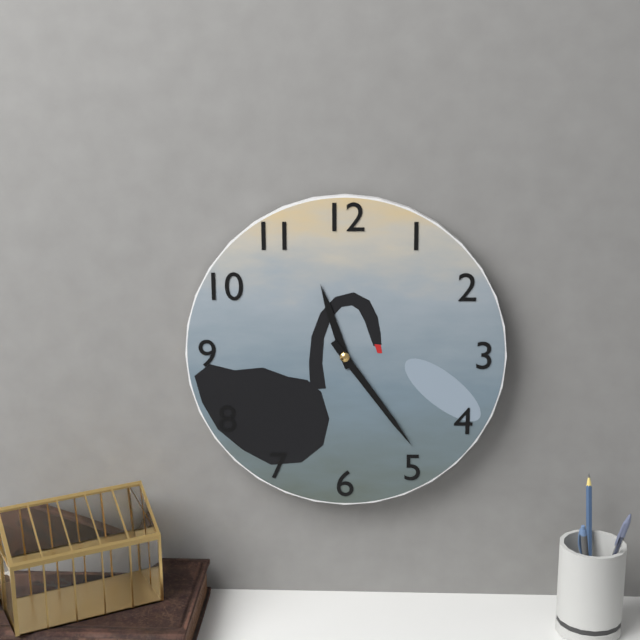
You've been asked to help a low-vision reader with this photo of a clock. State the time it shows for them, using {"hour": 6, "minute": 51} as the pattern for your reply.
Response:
{"hour": 11, "minute": 24}
